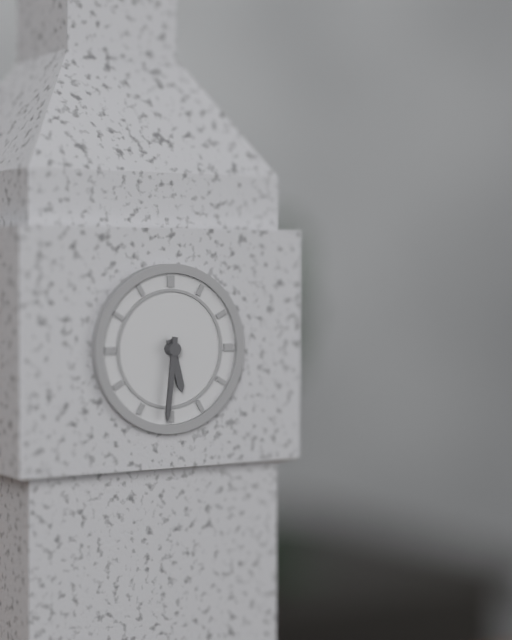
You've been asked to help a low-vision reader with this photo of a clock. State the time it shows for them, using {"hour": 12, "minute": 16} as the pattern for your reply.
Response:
{"hour": 5, "minute": 31}
